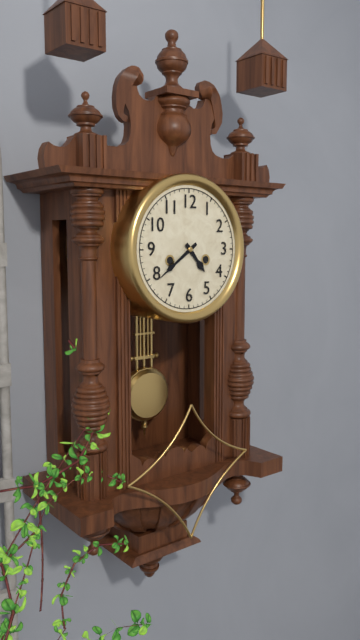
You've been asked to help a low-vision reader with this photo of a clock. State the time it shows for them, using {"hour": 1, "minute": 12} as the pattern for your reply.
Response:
{"hour": 4, "minute": 39}
